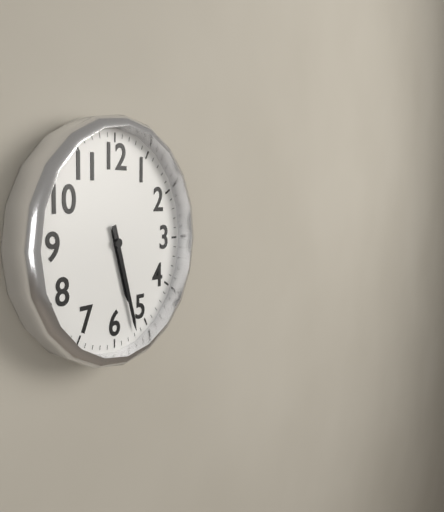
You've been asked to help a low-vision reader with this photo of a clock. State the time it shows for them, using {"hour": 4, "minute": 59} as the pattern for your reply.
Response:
{"hour": 5, "minute": 27}
